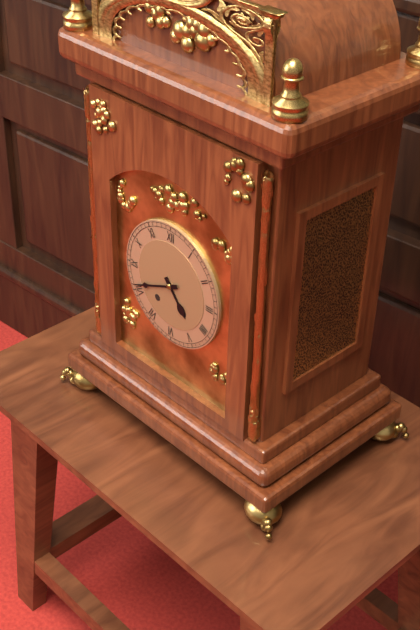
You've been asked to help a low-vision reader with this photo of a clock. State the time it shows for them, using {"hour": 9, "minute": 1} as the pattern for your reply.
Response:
{"hour": 4, "minute": 41}
